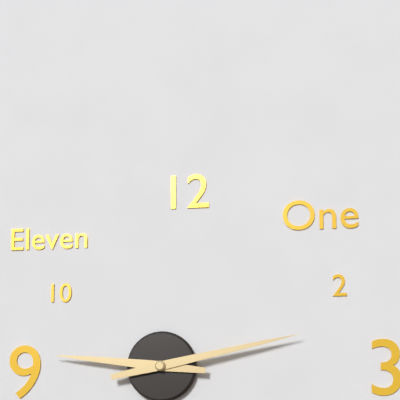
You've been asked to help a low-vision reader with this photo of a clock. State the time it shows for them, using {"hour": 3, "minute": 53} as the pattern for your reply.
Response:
{"hour": 9, "minute": 13}
